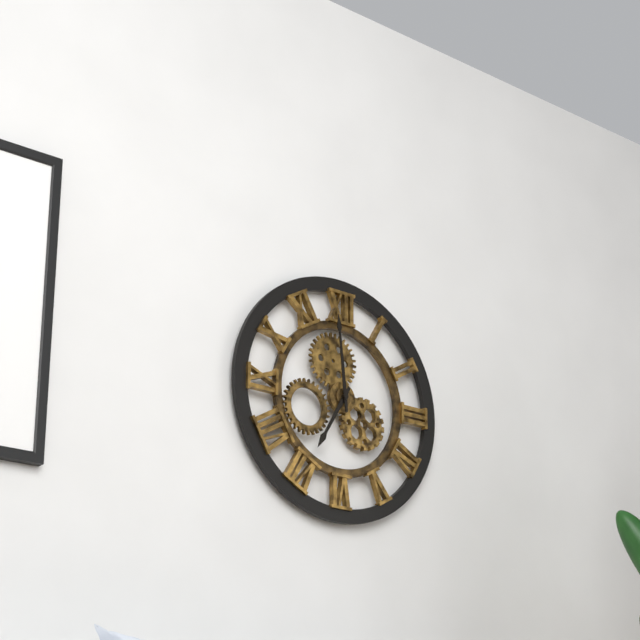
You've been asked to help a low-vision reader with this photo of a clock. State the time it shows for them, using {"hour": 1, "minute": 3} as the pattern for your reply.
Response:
{"hour": 6, "minute": 59}
